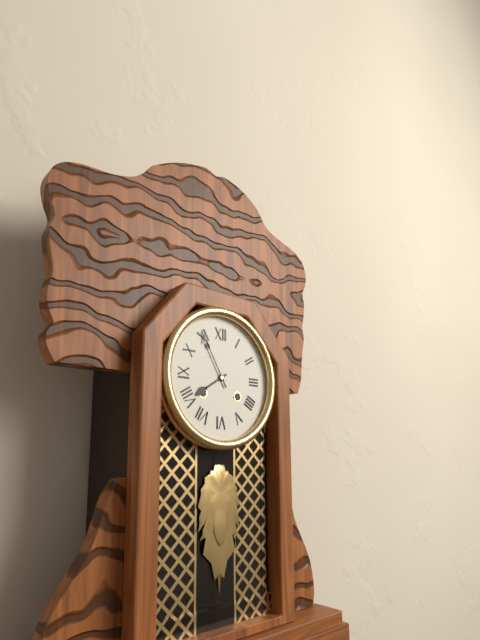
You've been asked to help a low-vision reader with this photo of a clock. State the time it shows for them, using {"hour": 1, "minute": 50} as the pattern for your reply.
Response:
{"hour": 7, "minute": 55}
